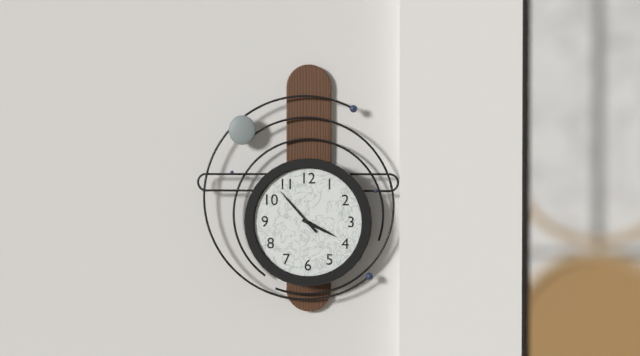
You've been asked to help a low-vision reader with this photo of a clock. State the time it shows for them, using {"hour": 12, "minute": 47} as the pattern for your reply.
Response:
{"hour": 3, "minute": 53}
